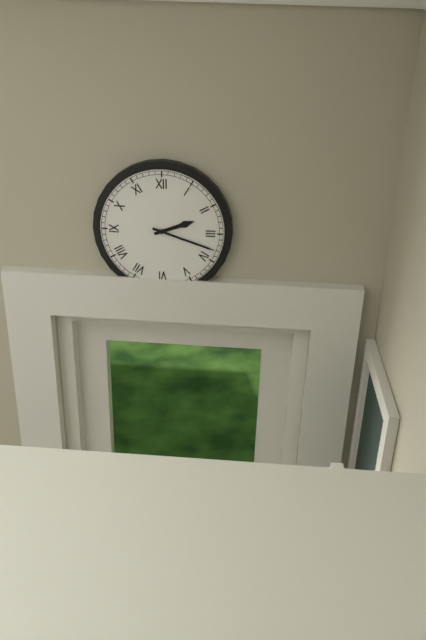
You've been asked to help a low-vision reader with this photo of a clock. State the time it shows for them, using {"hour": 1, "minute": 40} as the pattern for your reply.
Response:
{"hour": 2, "minute": 18}
